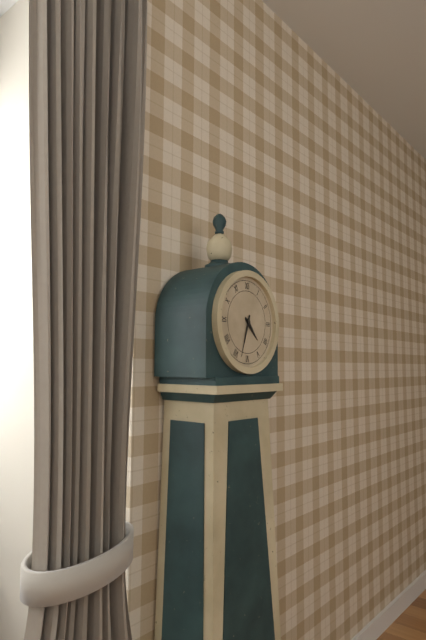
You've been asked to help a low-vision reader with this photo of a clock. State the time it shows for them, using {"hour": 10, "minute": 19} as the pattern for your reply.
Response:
{"hour": 4, "minute": 33}
